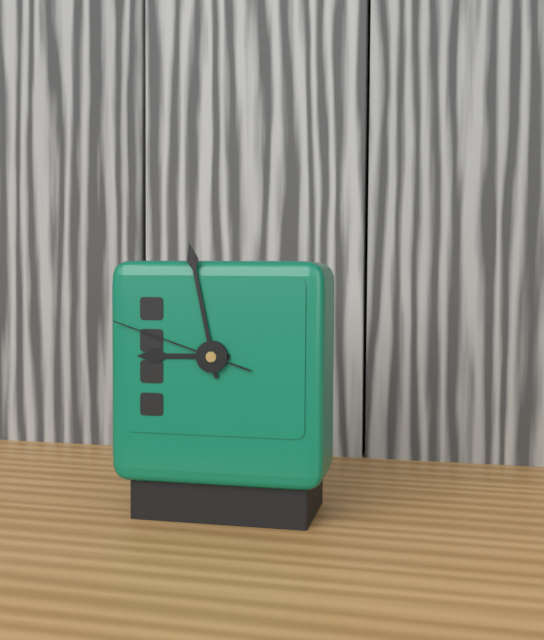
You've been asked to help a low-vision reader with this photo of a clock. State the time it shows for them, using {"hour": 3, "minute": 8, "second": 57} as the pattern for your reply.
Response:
{"hour": 8, "minute": 58, "second": 48}
